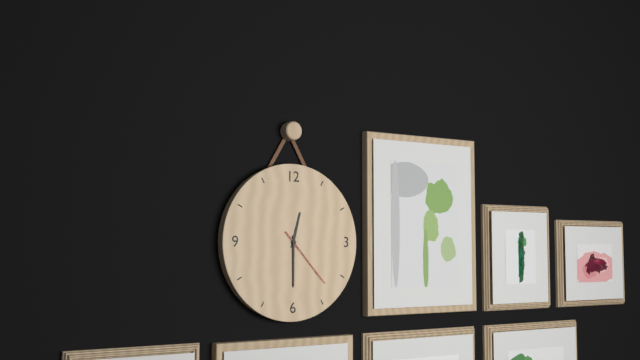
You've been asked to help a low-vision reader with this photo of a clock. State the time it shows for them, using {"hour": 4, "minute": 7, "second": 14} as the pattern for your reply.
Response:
{"hour": 12, "minute": 30, "second": 23}
